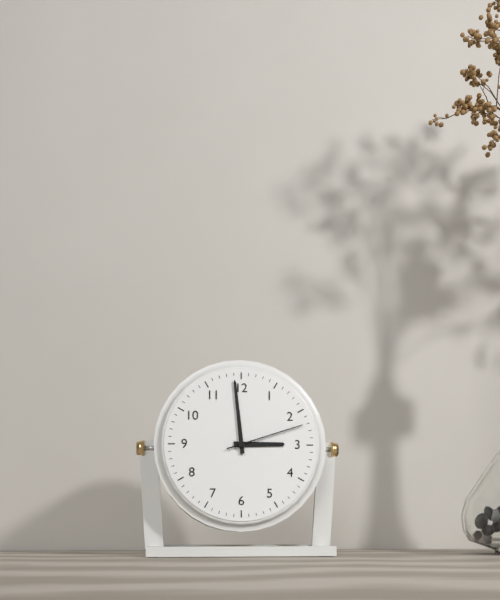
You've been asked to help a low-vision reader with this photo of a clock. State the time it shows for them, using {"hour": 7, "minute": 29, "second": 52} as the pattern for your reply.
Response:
{"hour": 2, "minute": 59, "second": 12}
